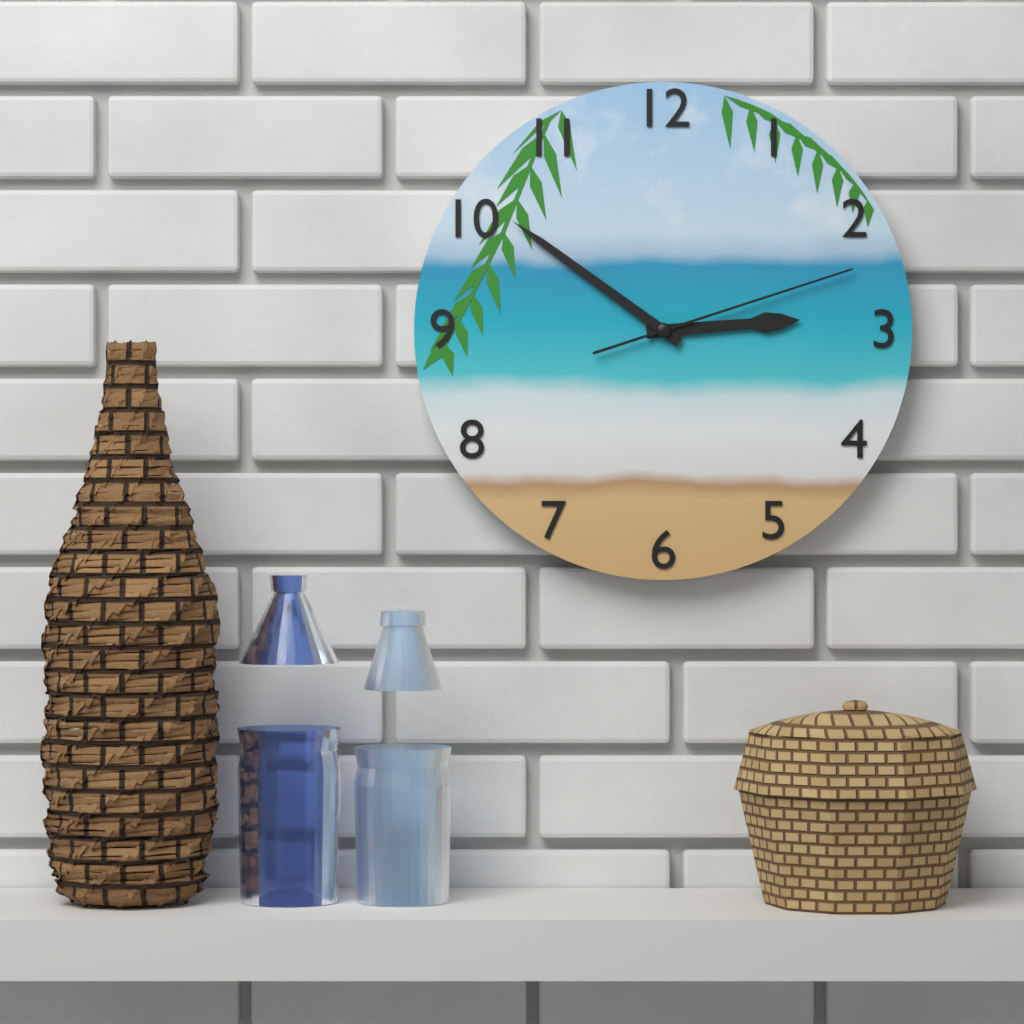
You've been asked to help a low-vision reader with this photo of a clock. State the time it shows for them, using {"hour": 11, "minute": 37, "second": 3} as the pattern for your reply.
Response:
{"hour": 2, "minute": 51, "second": 12}
